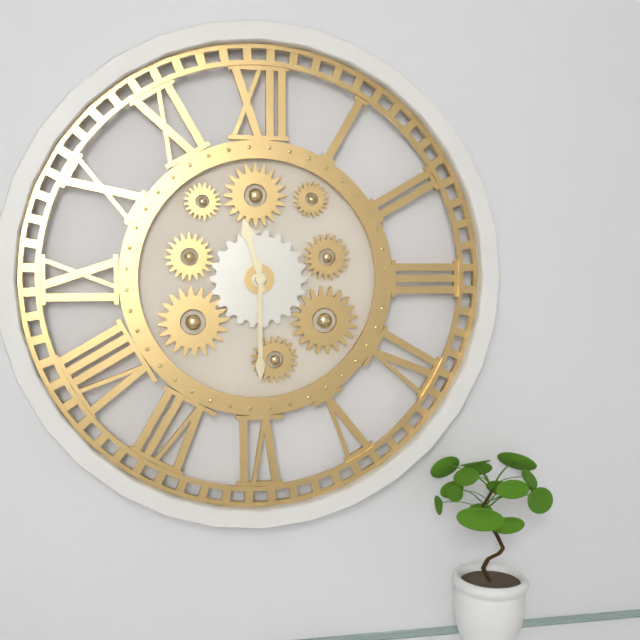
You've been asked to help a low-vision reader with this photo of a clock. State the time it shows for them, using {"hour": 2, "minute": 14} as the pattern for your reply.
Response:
{"hour": 11, "minute": 30}
